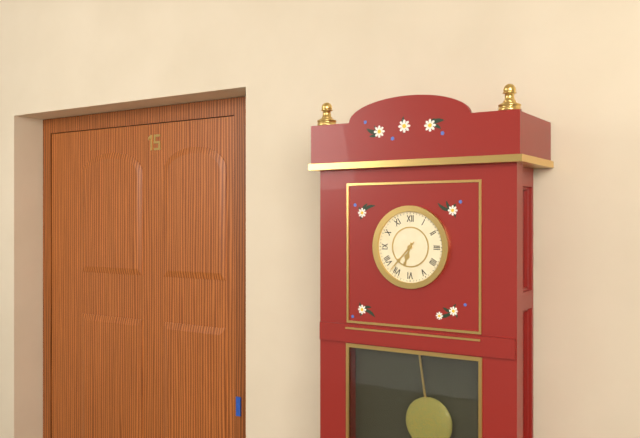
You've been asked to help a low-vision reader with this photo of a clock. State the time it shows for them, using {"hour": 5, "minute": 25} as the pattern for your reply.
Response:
{"hour": 6, "minute": 37}
